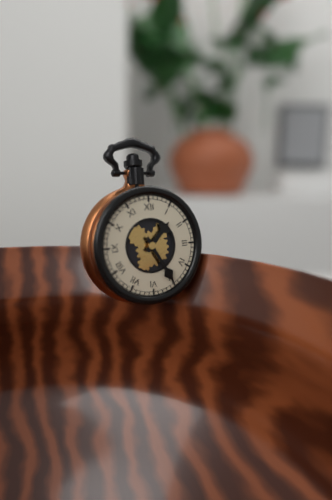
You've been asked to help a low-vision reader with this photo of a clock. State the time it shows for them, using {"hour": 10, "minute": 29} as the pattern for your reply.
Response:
{"hour": 1, "minute": 25}
